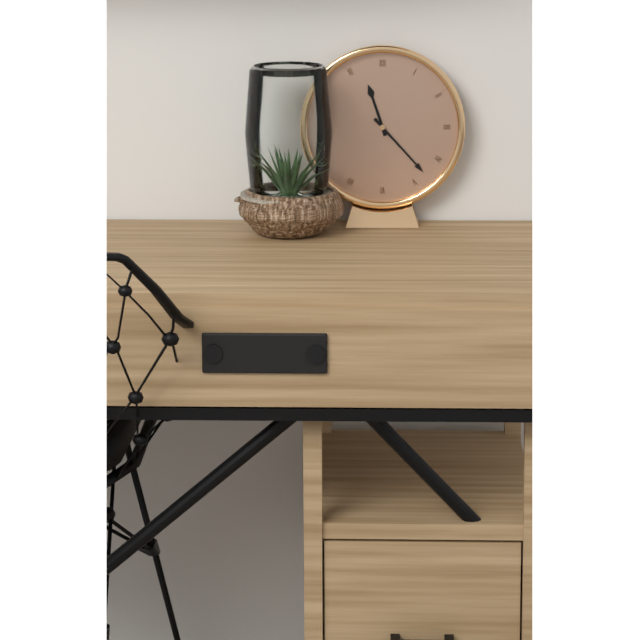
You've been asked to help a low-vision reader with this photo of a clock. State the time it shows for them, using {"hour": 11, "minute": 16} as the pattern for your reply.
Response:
{"hour": 11, "minute": 23}
